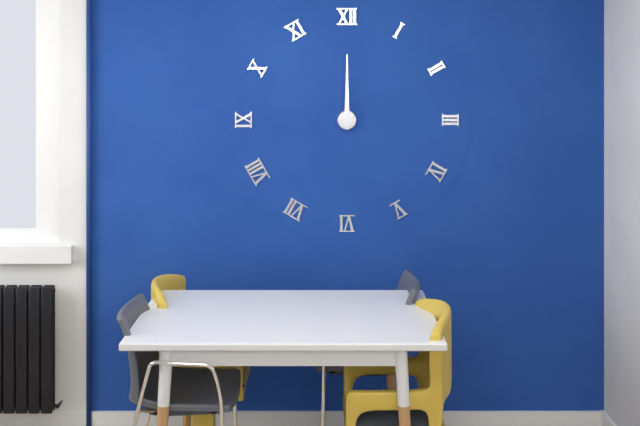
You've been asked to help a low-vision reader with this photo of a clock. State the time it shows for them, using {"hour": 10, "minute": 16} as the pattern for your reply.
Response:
{"hour": 12, "minute": 0}
